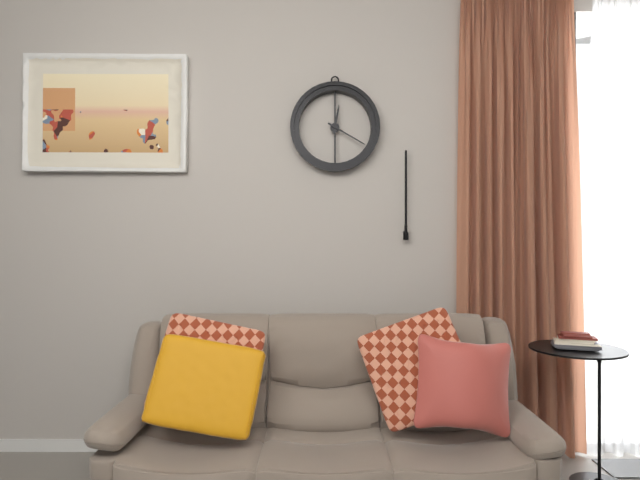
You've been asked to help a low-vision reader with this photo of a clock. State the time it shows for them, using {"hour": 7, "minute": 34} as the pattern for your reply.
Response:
{"hour": 12, "minute": 20}
